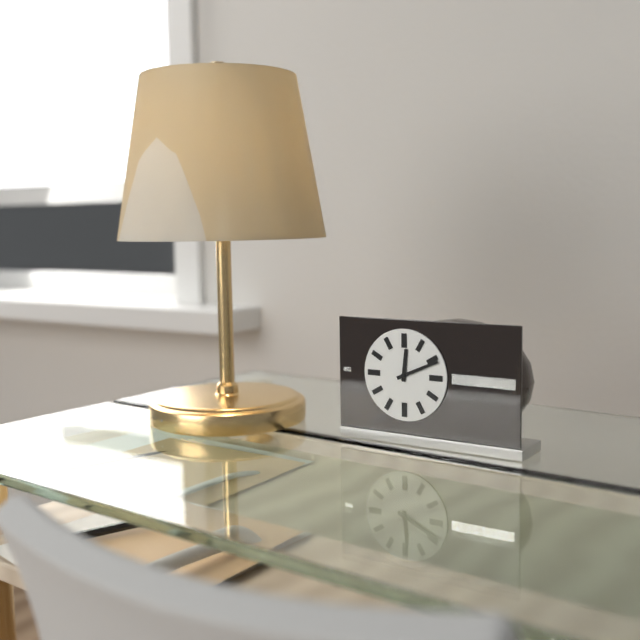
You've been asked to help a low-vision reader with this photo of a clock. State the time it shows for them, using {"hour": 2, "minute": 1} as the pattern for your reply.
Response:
{"hour": 12, "minute": 11}
